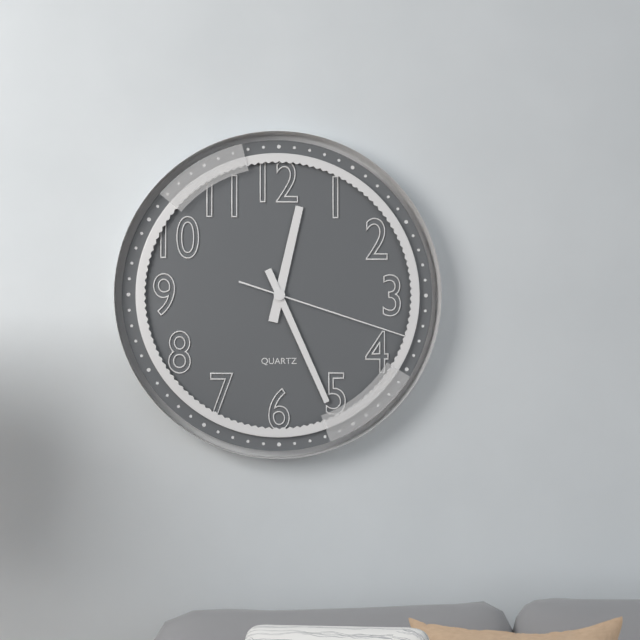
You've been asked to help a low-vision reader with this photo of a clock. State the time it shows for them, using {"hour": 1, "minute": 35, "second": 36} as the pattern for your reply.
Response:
{"hour": 12, "minute": 26, "second": 18}
